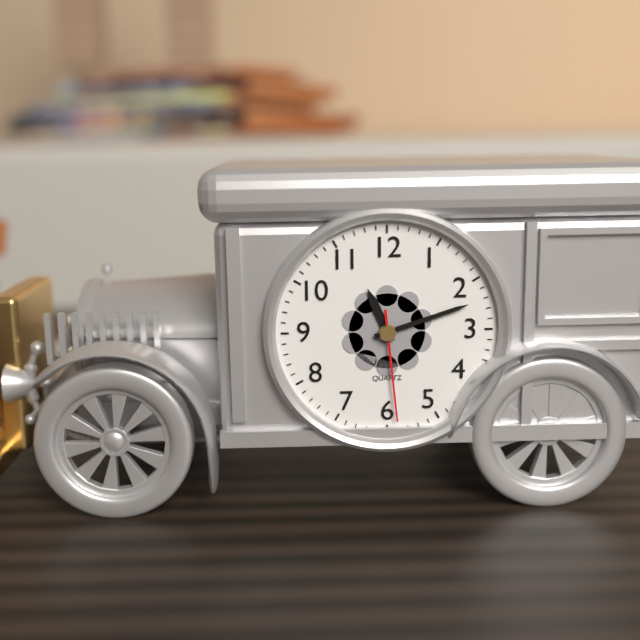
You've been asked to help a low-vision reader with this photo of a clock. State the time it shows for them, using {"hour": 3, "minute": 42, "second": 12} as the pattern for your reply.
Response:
{"hour": 11, "minute": 12, "second": 29}
